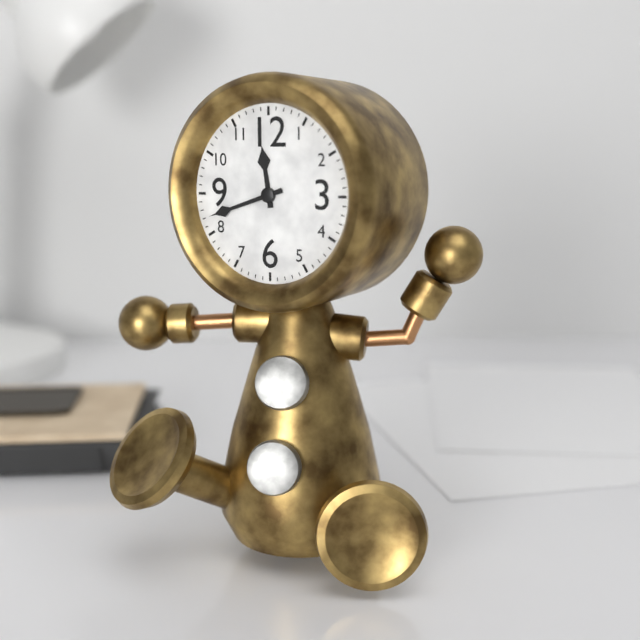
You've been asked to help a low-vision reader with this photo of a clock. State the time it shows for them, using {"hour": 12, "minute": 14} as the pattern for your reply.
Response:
{"hour": 11, "minute": 42}
